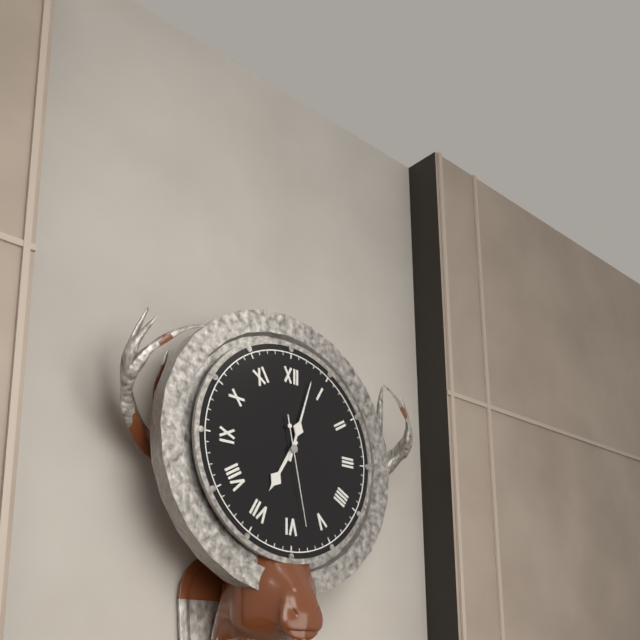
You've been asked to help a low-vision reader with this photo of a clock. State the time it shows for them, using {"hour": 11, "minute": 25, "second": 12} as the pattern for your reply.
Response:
{"hour": 7, "minute": 3, "second": 28}
